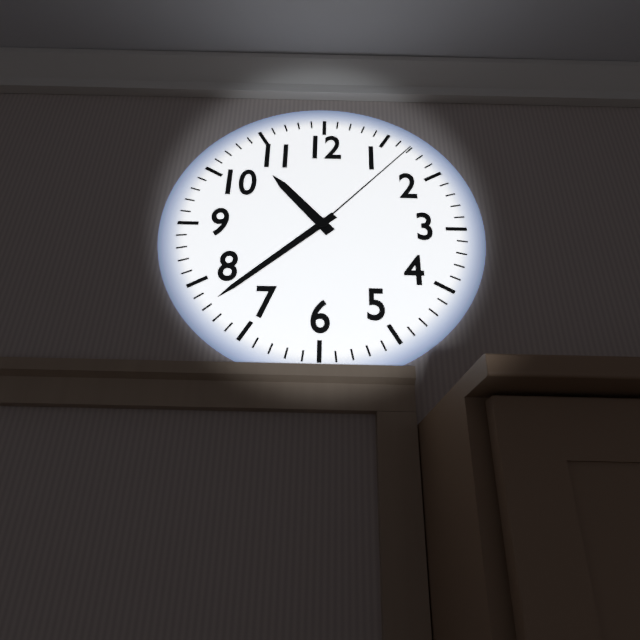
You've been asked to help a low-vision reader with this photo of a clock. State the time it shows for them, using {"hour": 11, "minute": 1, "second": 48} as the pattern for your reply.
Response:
{"hour": 10, "minute": 38, "second": 7}
